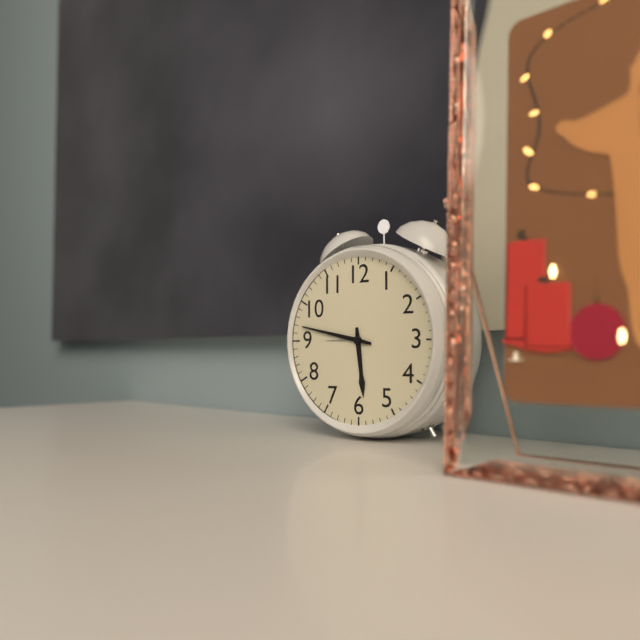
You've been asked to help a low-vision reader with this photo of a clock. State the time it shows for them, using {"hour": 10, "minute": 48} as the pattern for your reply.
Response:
{"hour": 5, "minute": 47}
